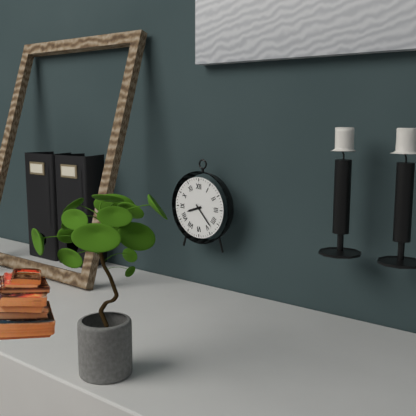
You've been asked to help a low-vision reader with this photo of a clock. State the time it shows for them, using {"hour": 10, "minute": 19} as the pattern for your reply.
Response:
{"hour": 8, "minute": 23}
